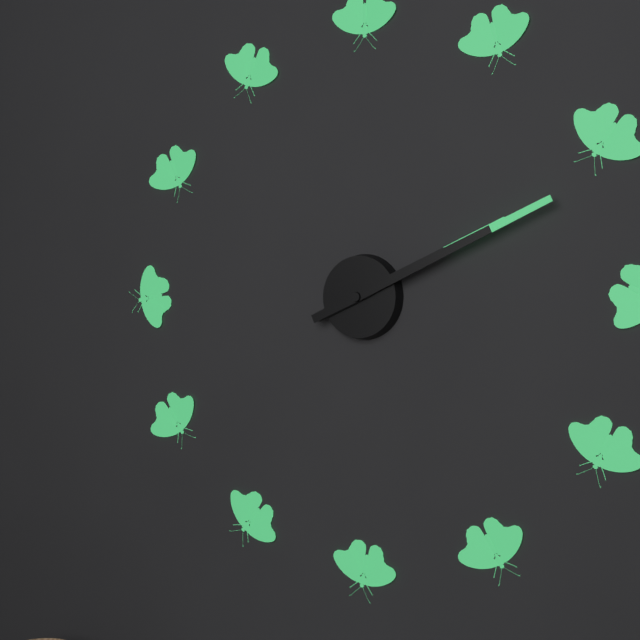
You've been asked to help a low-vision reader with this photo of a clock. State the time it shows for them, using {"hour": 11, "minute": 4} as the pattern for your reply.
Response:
{"hour": 2, "minute": 11}
